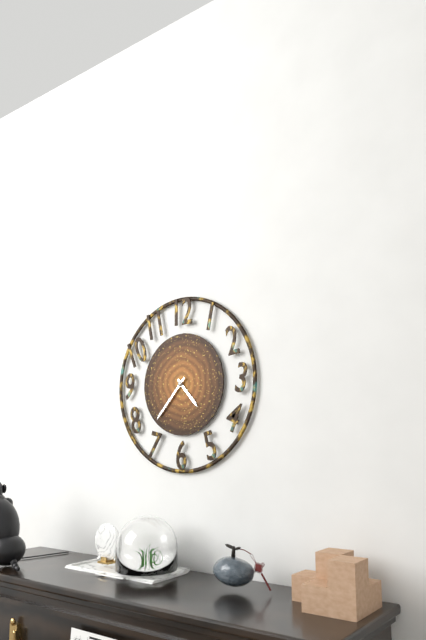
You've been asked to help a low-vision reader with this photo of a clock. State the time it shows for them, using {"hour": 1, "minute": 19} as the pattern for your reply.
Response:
{"hour": 4, "minute": 37}
